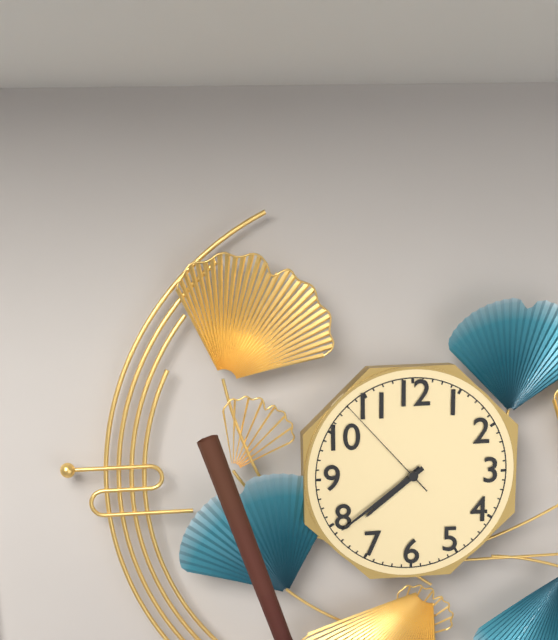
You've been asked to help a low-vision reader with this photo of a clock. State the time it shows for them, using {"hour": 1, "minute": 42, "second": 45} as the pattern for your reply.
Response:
{"hour": 7, "minute": 39, "second": 53}
